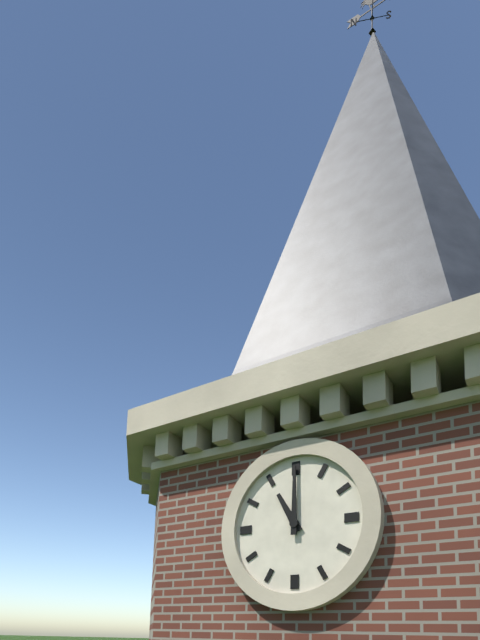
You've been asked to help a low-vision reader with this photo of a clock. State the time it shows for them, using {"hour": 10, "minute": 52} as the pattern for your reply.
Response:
{"hour": 11, "minute": 0}
